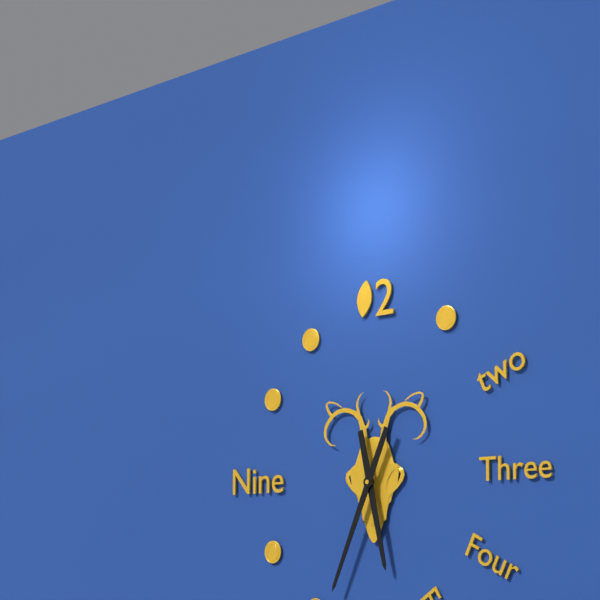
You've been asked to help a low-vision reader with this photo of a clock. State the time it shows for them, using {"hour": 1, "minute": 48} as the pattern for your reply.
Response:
{"hour": 5, "minute": 34}
